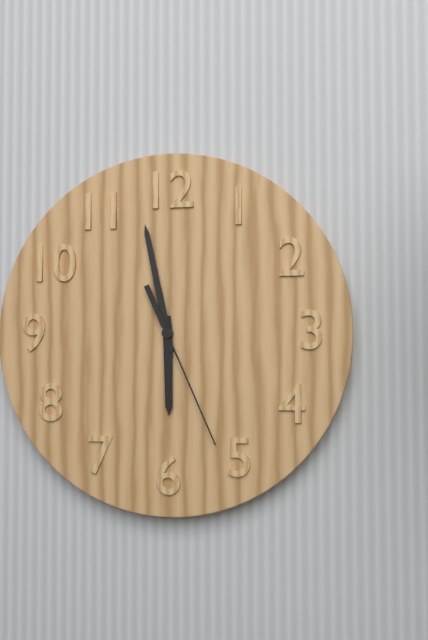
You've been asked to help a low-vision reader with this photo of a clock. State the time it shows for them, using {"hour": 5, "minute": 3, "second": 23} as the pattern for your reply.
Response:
{"hour": 5, "minute": 58, "second": 26}
